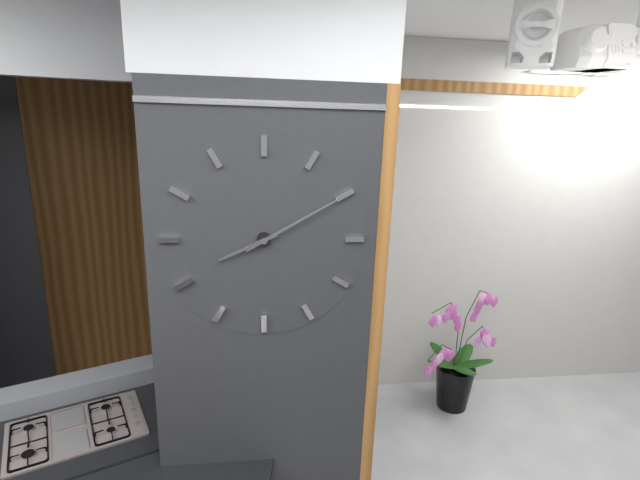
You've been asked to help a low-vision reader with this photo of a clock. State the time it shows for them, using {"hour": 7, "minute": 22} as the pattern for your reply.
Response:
{"hour": 8, "minute": 10}
